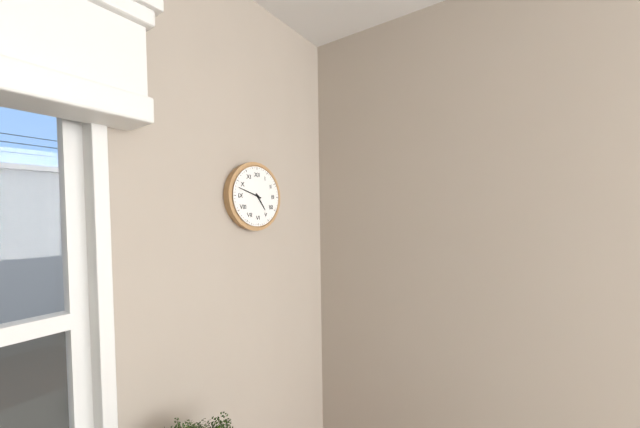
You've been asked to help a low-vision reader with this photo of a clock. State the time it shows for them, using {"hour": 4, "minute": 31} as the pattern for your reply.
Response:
{"hour": 4, "minute": 48}
